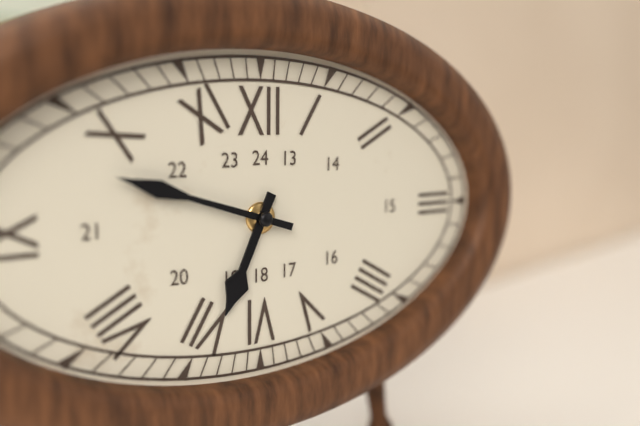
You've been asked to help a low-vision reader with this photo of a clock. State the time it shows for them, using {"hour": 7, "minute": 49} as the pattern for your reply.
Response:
{"hour": 6, "minute": 48}
